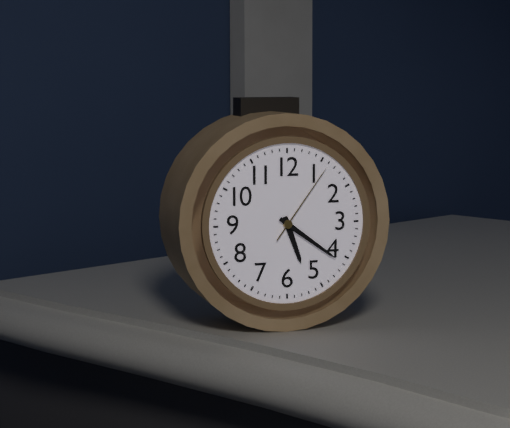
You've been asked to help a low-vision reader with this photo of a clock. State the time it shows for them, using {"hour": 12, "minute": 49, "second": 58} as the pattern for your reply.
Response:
{"hour": 5, "minute": 21, "second": 6}
